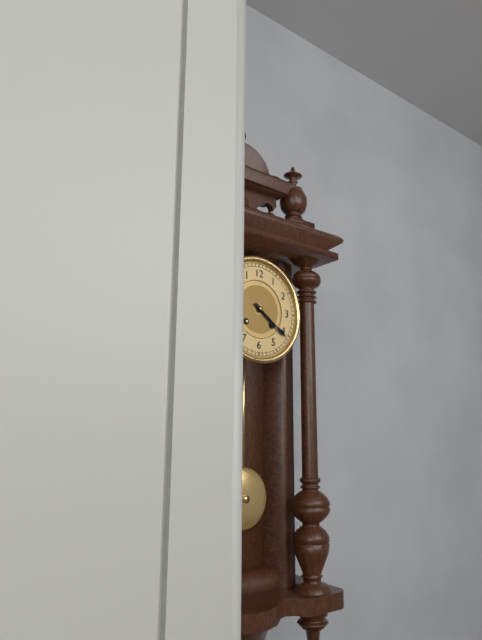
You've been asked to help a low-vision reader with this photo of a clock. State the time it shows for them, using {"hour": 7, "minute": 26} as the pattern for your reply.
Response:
{"hour": 4, "minute": 21}
